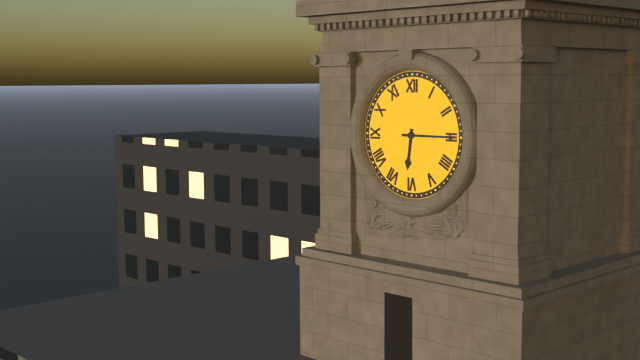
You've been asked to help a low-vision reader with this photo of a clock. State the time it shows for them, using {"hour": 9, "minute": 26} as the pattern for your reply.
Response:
{"hour": 6, "minute": 15}
